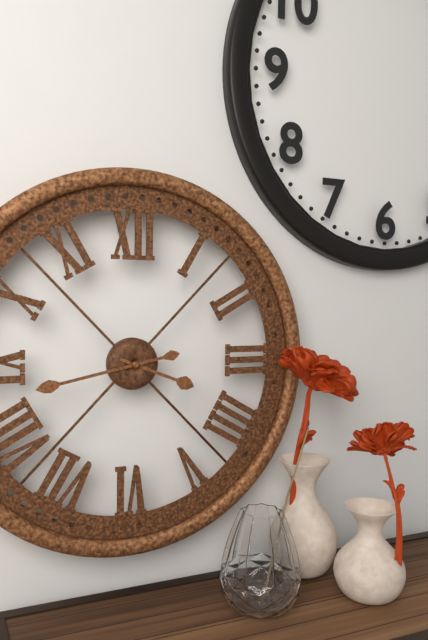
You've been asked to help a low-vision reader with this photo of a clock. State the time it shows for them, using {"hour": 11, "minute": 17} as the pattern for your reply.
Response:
{"hour": 3, "minute": 43}
